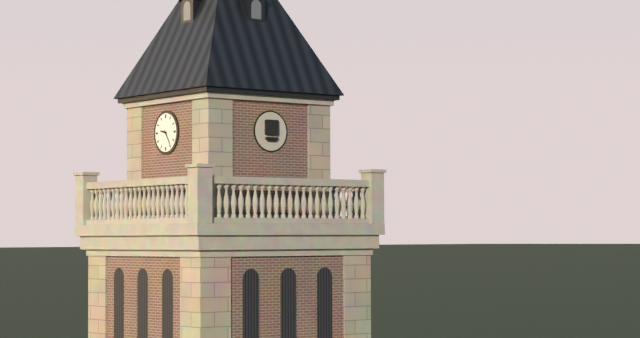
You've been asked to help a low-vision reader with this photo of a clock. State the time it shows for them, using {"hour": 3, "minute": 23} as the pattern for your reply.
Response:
{"hour": 9, "minute": 24}
